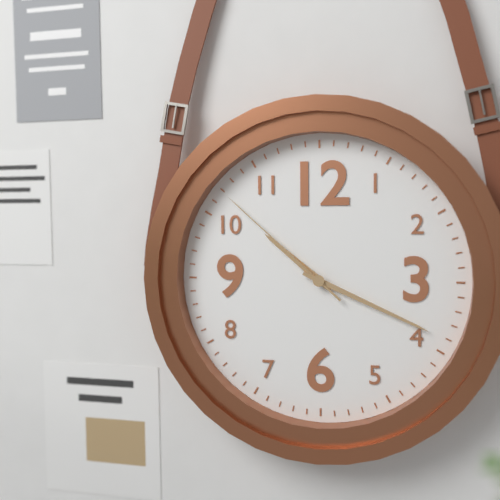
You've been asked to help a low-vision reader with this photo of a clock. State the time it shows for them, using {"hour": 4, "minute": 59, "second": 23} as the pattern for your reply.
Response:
{"hour": 10, "minute": 19, "second": 52}
